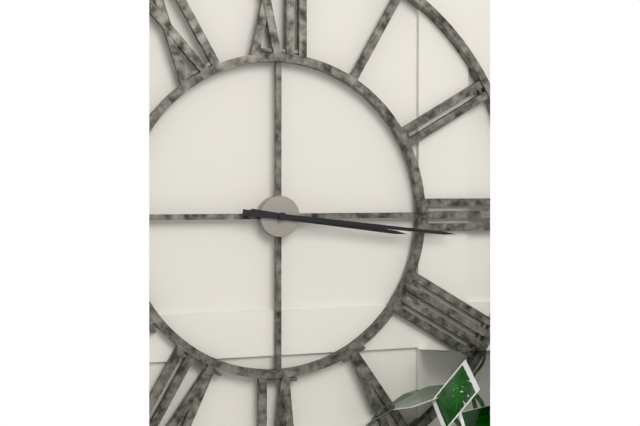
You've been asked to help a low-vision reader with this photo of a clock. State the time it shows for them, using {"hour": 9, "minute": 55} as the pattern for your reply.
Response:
{"hour": 3, "minute": 16}
